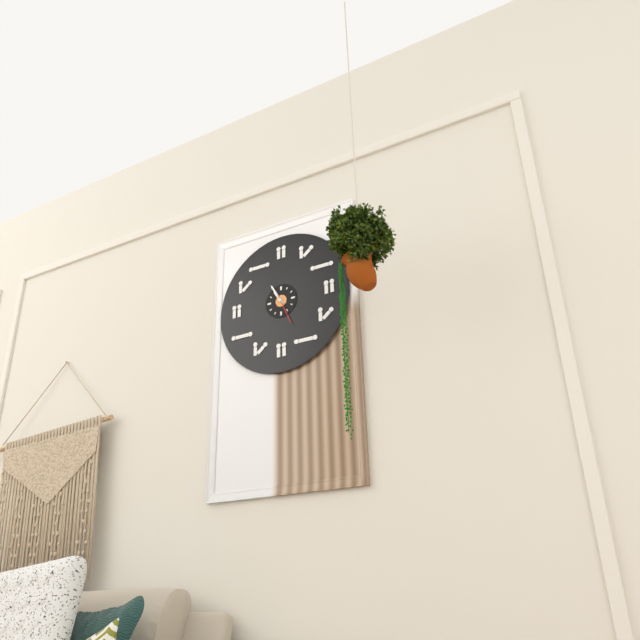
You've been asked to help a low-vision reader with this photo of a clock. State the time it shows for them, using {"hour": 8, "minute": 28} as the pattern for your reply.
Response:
{"hour": 10, "minute": 55}
